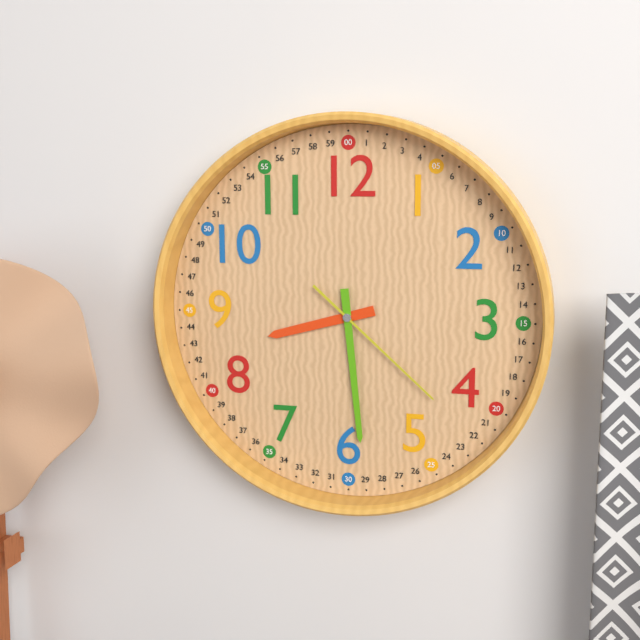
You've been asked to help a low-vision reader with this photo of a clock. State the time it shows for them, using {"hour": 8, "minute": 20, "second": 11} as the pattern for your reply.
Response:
{"hour": 8, "minute": 29, "second": 22}
